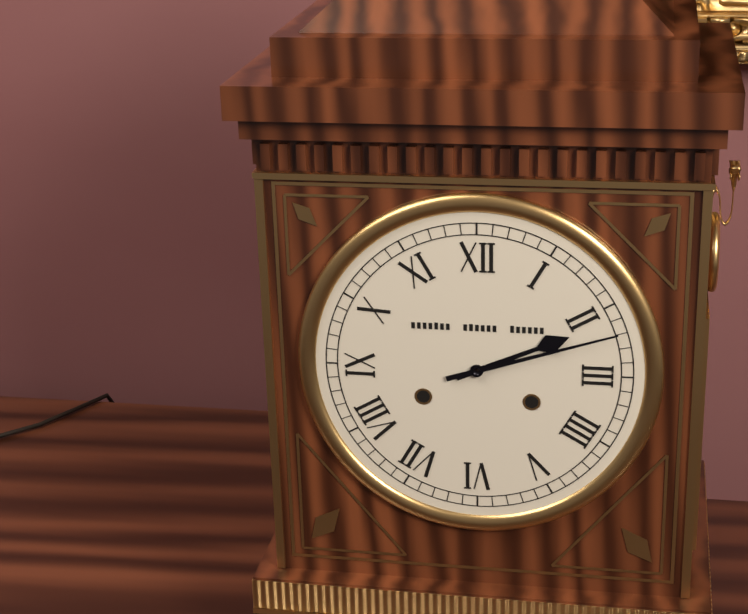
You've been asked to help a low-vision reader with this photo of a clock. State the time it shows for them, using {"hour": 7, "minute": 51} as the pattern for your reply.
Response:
{"hour": 2, "minute": 12}
